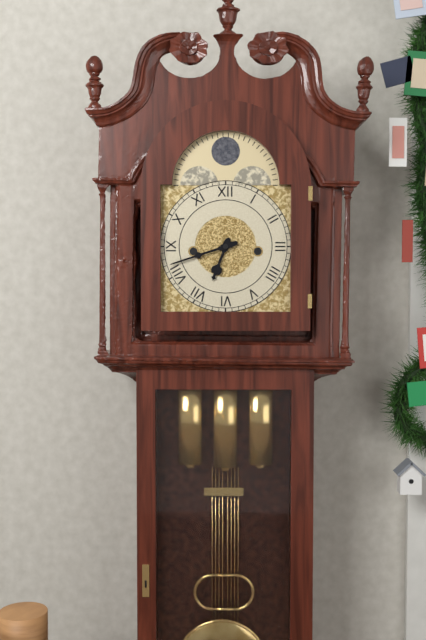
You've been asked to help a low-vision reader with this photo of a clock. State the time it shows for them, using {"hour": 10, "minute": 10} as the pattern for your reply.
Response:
{"hour": 6, "minute": 42}
